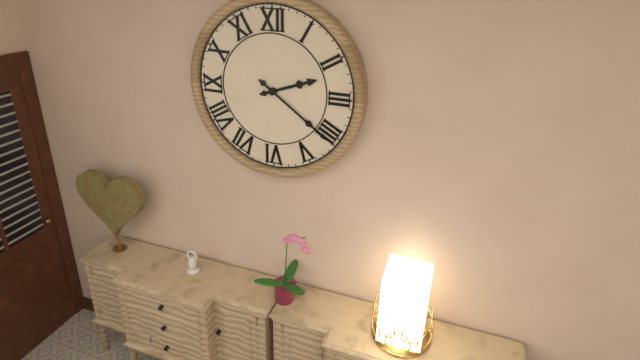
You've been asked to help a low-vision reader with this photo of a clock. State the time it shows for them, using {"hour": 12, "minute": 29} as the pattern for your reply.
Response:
{"hour": 2, "minute": 21}
